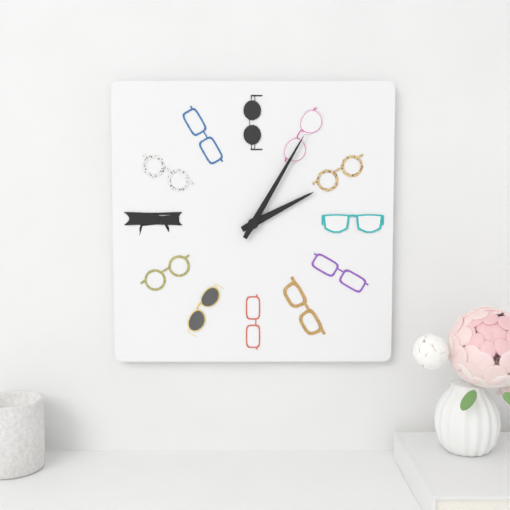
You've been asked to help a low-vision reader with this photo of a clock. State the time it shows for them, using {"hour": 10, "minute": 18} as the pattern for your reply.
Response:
{"hour": 2, "minute": 5}
